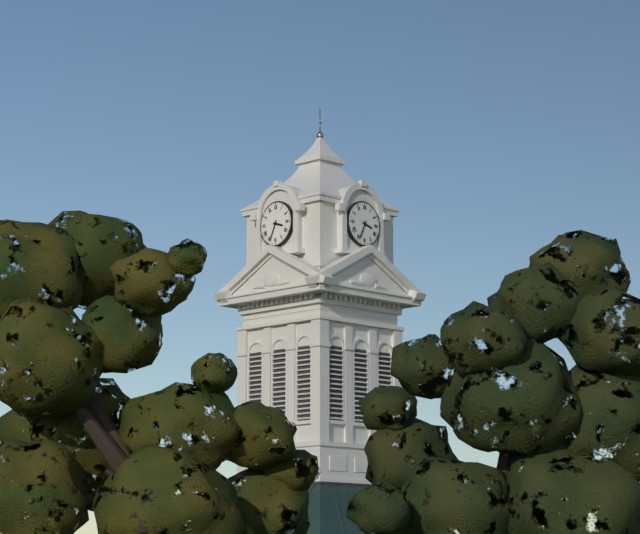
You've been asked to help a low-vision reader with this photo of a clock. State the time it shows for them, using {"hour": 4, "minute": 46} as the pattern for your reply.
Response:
{"hour": 3, "minute": 34}
